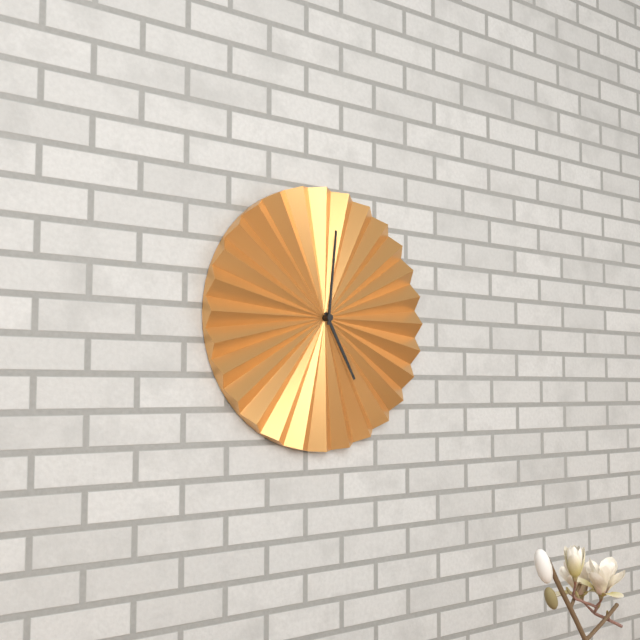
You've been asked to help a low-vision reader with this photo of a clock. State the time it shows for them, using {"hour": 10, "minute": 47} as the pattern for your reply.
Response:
{"hour": 5, "minute": 1}
